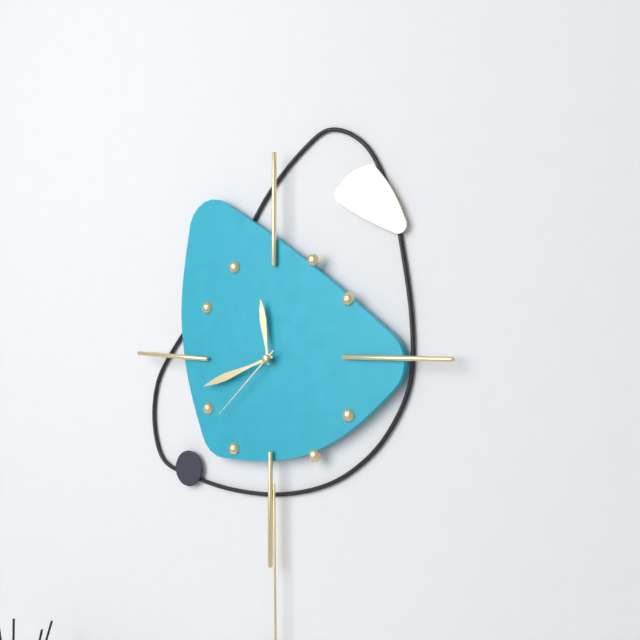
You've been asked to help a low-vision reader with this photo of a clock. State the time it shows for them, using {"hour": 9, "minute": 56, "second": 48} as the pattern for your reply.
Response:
{"hour": 11, "minute": 42, "second": 38}
